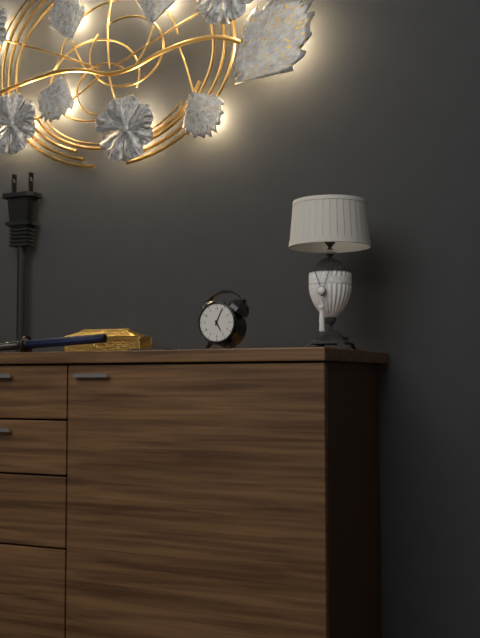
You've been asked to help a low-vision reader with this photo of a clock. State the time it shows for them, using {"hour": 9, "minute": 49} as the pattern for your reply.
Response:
{"hour": 5, "minute": 4}
